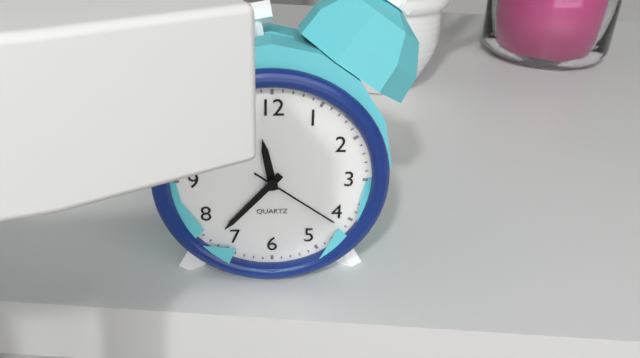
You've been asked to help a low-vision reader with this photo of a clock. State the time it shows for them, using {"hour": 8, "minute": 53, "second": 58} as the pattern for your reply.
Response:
{"hour": 11, "minute": 37, "second": 21}
